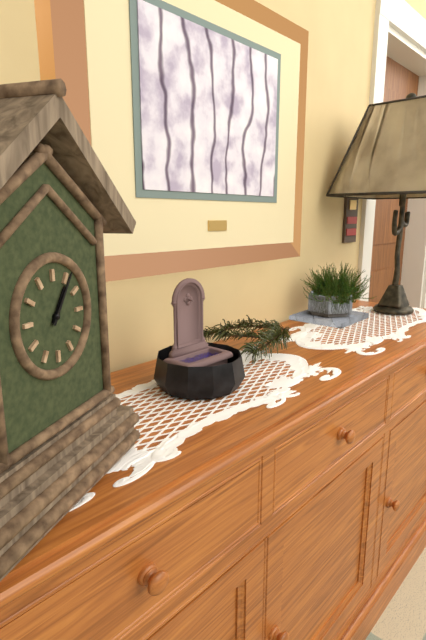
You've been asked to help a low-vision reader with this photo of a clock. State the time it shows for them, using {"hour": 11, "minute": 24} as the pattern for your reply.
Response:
{"hour": 1, "minute": 6}
